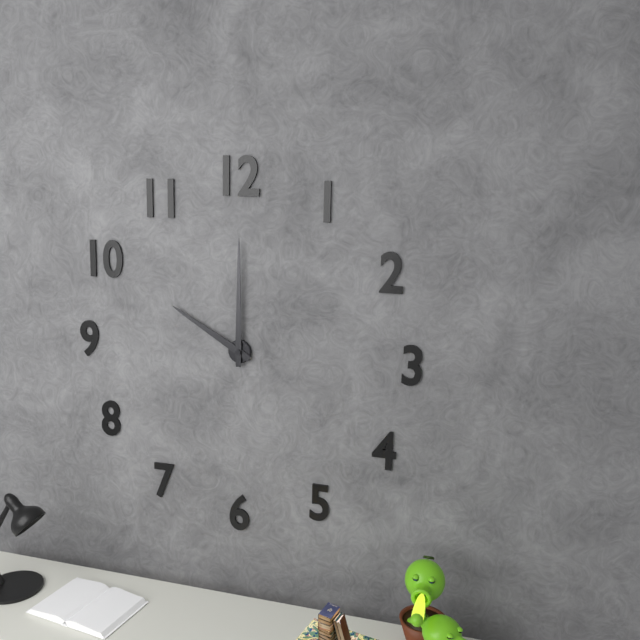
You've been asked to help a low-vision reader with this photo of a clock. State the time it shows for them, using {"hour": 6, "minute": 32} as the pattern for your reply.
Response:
{"hour": 10, "minute": 0}
